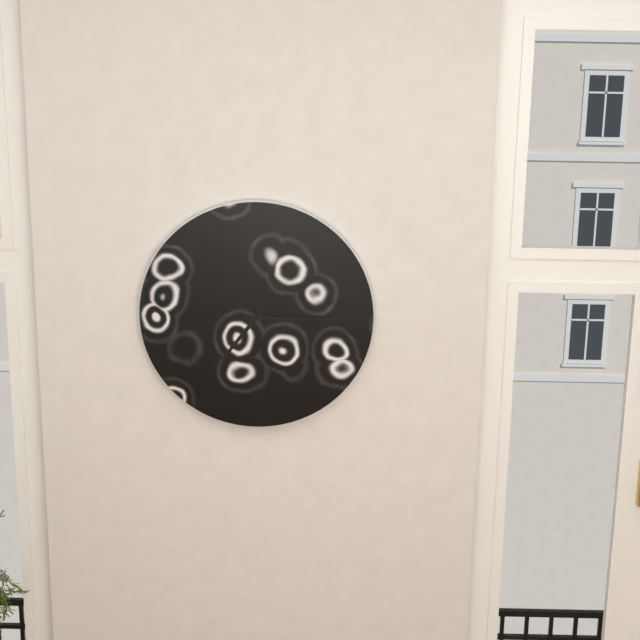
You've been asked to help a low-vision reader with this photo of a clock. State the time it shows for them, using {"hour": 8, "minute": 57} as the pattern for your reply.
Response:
{"hour": 7, "minute": 15}
